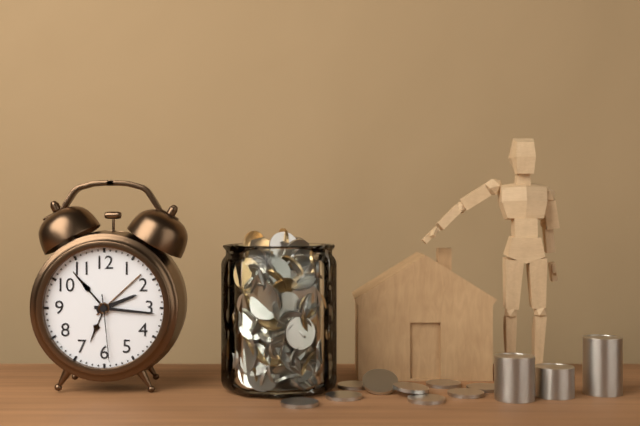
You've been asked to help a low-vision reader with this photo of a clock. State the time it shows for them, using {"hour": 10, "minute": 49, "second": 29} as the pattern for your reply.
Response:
{"hour": 2, "minute": 16, "second": 29}
